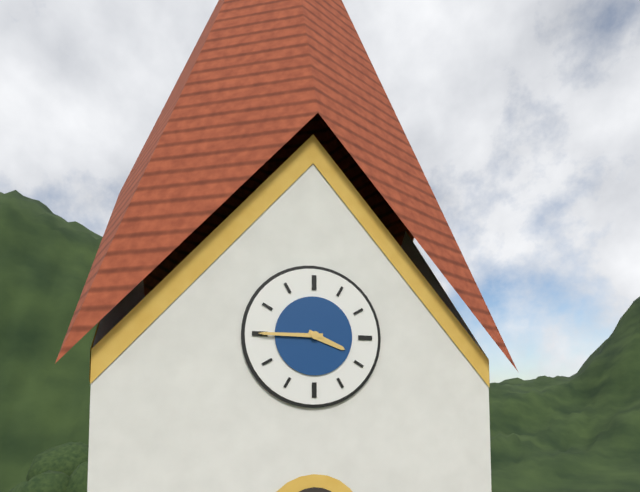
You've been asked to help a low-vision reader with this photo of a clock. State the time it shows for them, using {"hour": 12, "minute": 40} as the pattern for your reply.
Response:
{"hour": 3, "minute": 45}
